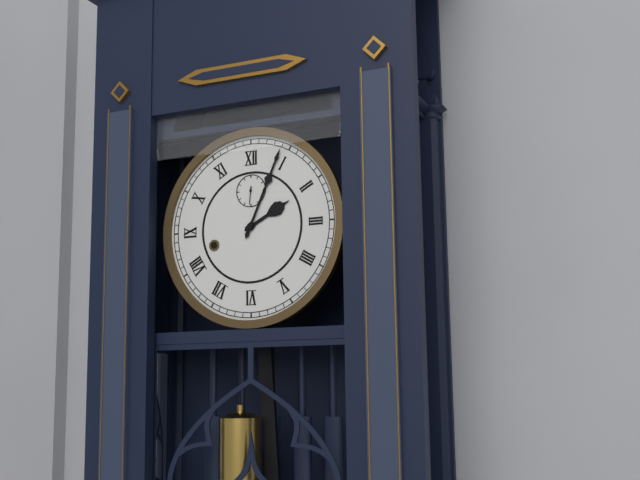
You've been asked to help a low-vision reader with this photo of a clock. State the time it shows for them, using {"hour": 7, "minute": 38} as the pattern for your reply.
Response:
{"hour": 2, "minute": 4}
